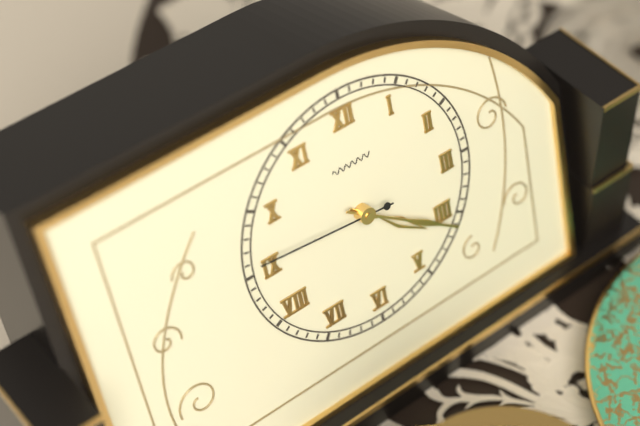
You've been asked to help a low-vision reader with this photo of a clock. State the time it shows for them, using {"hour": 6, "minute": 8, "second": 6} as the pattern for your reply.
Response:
{"hour": 4, "minute": 21, "second": 46}
